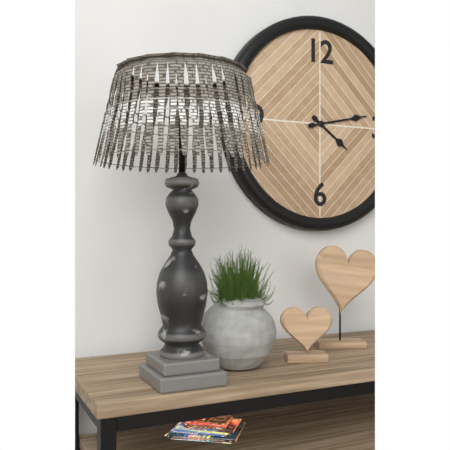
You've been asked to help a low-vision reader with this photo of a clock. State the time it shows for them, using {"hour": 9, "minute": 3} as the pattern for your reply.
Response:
{"hour": 4, "minute": 13}
